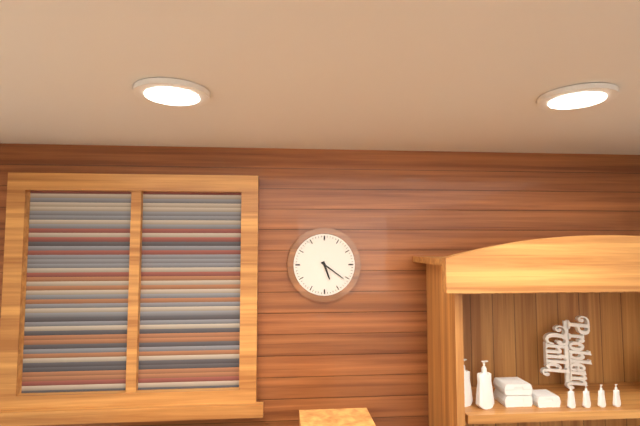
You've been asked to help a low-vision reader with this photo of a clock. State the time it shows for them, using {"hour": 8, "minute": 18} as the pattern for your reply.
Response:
{"hour": 5, "minute": 21}
